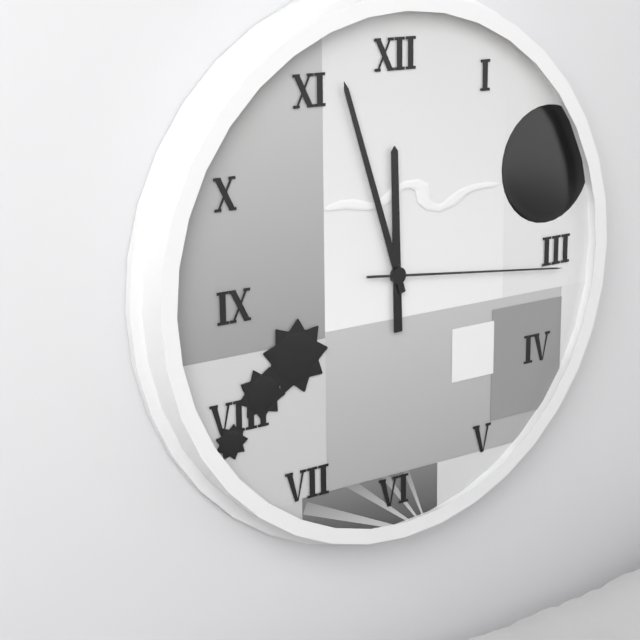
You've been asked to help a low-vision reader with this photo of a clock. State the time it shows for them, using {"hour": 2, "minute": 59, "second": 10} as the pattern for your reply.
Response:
{"hour": 11, "minute": 57, "second": 16}
